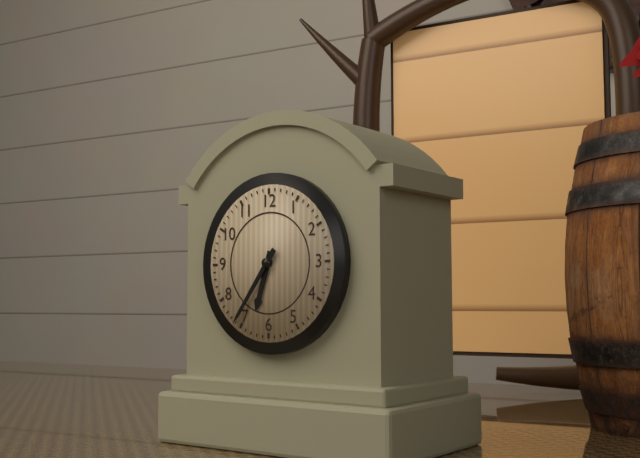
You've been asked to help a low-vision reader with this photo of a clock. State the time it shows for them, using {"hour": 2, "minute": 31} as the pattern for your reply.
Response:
{"hour": 6, "minute": 36}
